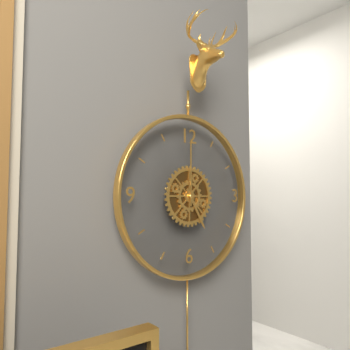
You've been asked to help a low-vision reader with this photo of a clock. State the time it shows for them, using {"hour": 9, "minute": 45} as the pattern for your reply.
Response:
{"hour": 5, "minute": 0}
